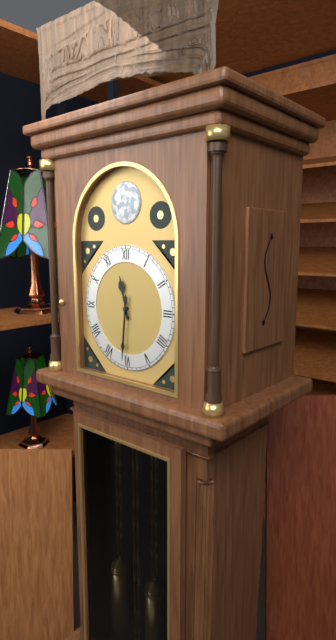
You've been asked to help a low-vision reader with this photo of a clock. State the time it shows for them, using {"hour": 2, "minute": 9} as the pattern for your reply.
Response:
{"hour": 11, "minute": 31}
